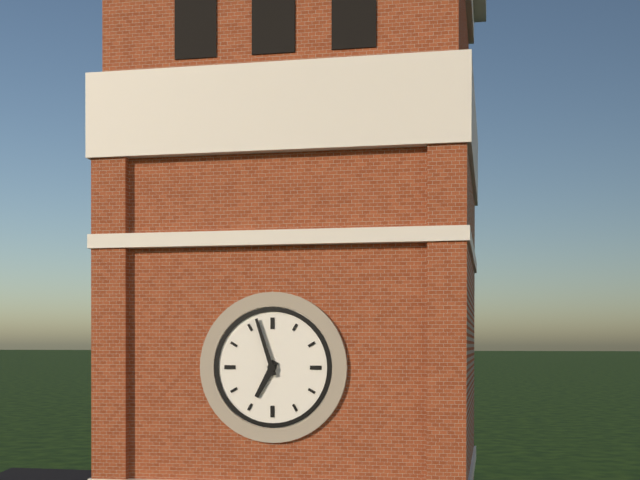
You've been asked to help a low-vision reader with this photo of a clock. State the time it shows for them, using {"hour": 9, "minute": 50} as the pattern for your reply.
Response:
{"hour": 6, "minute": 57}
